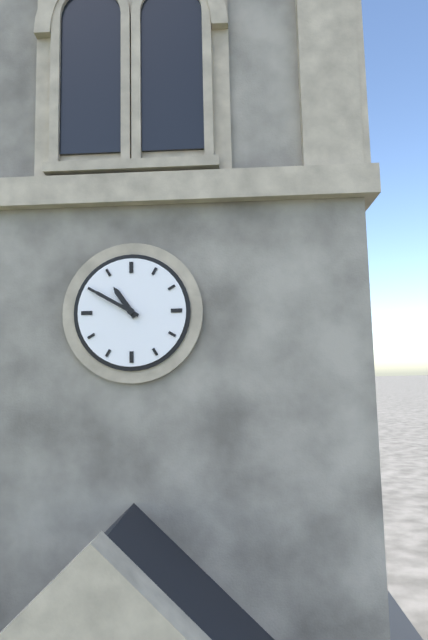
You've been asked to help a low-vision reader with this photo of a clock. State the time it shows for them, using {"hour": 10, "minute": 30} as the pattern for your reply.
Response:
{"hour": 10, "minute": 50}
